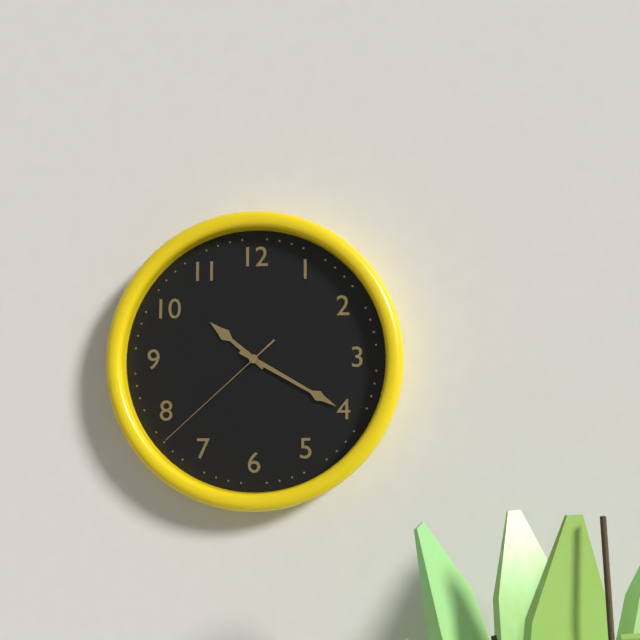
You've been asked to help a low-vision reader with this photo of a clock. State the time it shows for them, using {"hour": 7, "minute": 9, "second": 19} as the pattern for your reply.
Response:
{"hour": 10, "minute": 20, "second": 38}
